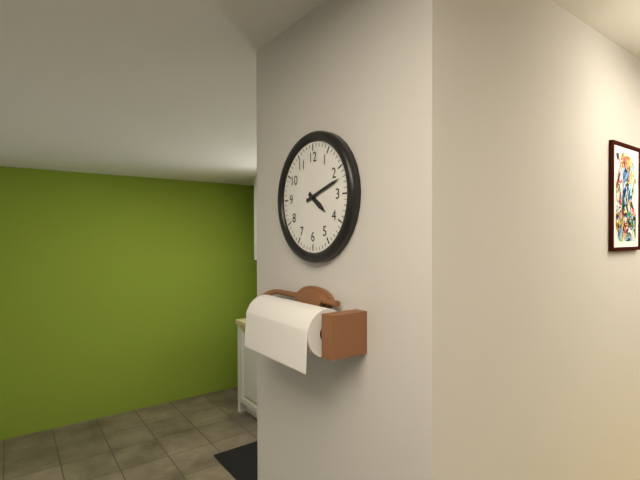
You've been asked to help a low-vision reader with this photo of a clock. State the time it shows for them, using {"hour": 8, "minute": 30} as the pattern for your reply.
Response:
{"hour": 4, "minute": 12}
